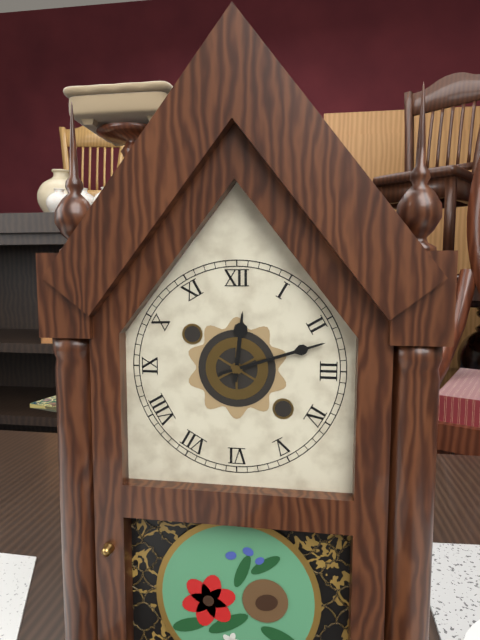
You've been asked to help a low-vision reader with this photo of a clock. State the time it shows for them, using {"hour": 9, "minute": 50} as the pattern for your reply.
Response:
{"hour": 12, "minute": 12}
